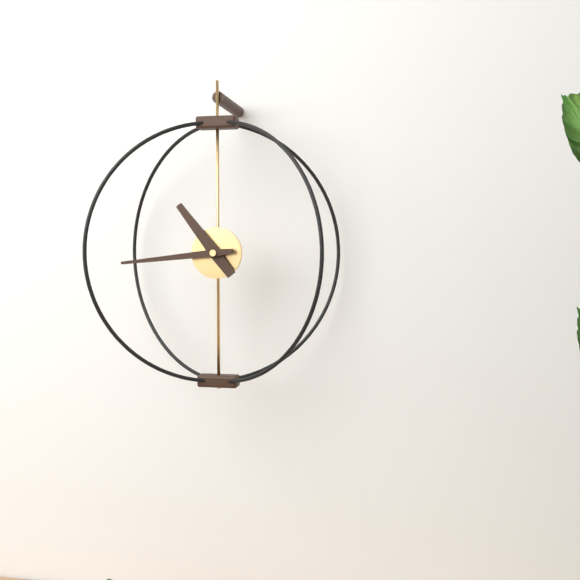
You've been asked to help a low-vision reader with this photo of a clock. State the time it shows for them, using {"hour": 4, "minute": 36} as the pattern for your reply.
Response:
{"hour": 10, "minute": 44}
